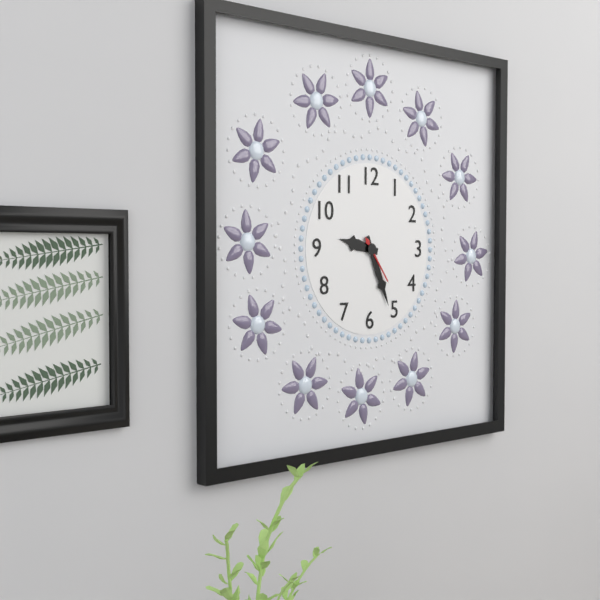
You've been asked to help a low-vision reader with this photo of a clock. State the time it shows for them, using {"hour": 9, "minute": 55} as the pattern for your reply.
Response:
{"hour": 9, "minute": 26}
